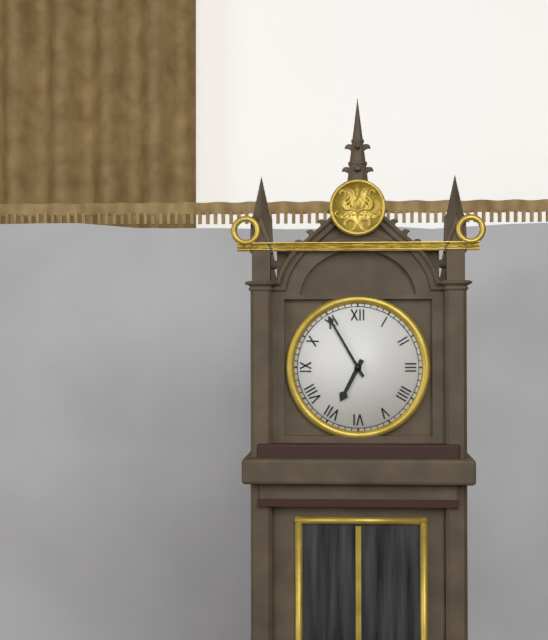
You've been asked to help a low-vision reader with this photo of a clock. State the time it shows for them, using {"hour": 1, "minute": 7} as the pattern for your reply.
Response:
{"hour": 6, "minute": 55}
